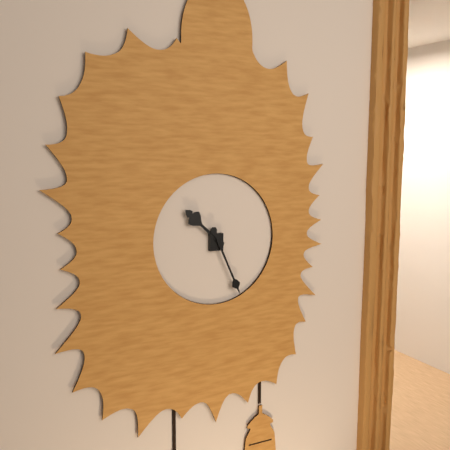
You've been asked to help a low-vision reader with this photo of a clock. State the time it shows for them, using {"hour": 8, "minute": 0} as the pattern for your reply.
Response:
{"hour": 10, "minute": 26}
